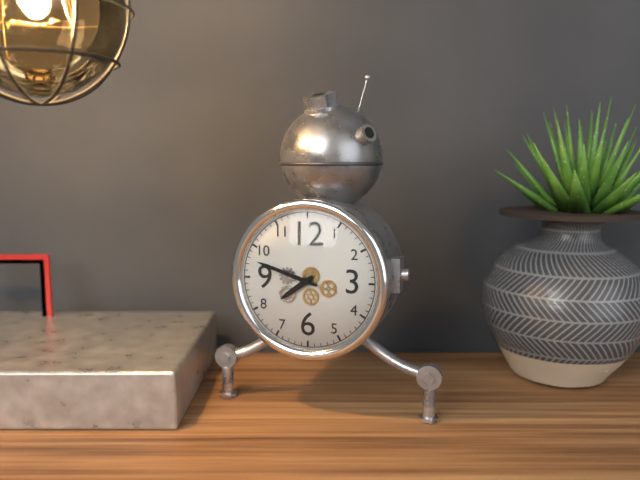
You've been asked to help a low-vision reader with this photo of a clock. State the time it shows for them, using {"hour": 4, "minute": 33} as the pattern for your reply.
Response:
{"hour": 7, "minute": 48}
